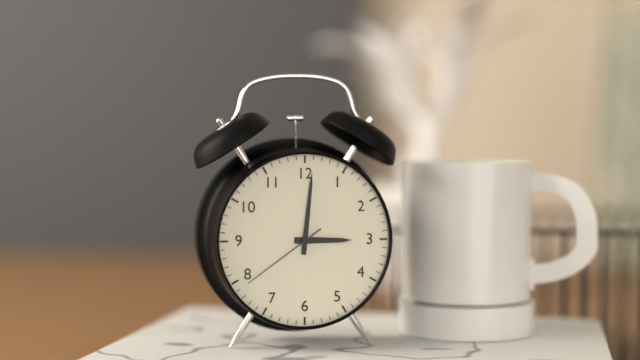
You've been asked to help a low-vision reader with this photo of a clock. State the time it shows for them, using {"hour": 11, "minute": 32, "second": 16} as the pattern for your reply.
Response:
{"hour": 3, "minute": 1, "second": 39}
